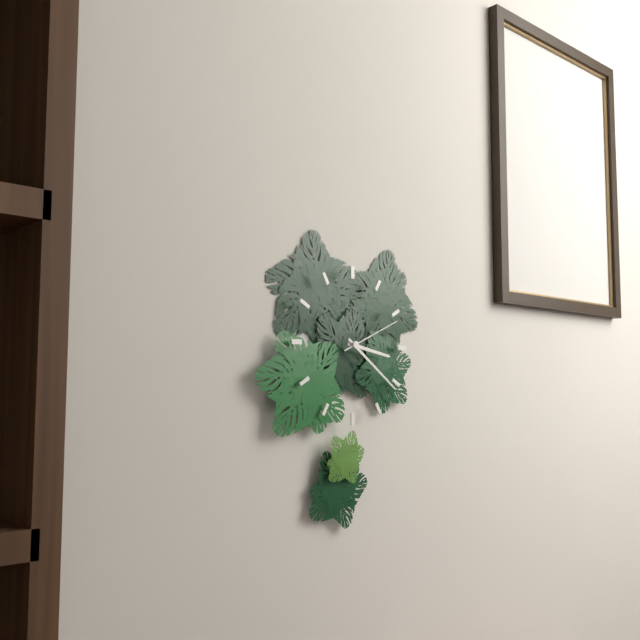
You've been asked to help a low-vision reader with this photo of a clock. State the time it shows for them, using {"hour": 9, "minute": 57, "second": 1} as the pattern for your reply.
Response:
{"hour": 3, "minute": 21, "second": 11}
